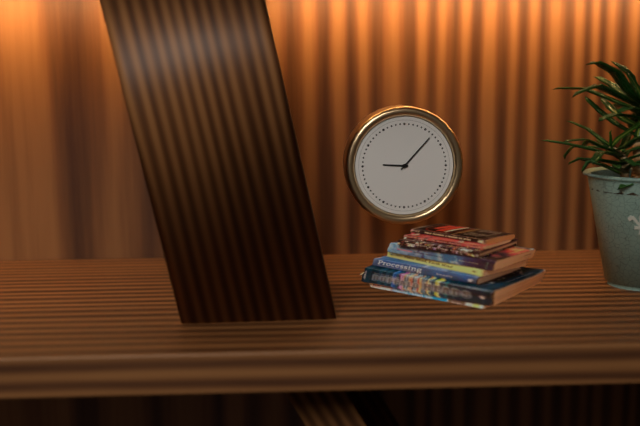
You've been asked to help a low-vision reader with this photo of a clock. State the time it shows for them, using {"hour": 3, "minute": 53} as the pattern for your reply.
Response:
{"hour": 9, "minute": 7}
